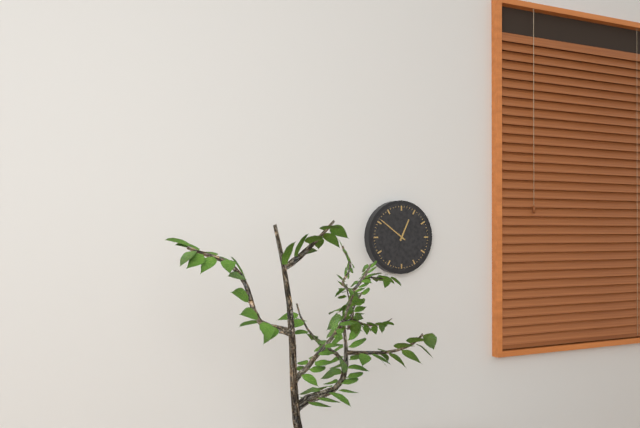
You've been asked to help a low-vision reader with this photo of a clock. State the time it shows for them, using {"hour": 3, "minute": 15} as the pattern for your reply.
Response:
{"hour": 12, "minute": 51}
